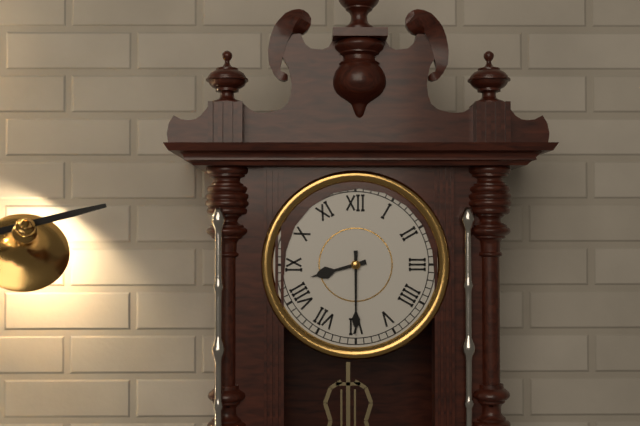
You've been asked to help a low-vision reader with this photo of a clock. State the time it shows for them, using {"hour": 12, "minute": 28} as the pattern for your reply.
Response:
{"hour": 8, "minute": 30}
